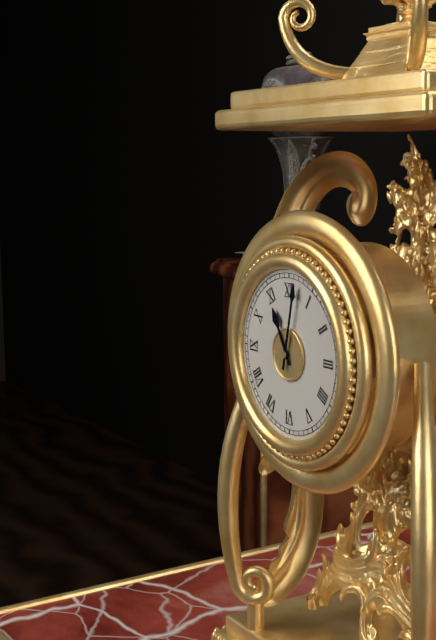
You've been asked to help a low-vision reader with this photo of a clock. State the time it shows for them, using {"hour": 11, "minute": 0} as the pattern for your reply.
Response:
{"hour": 11, "minute": 2}
